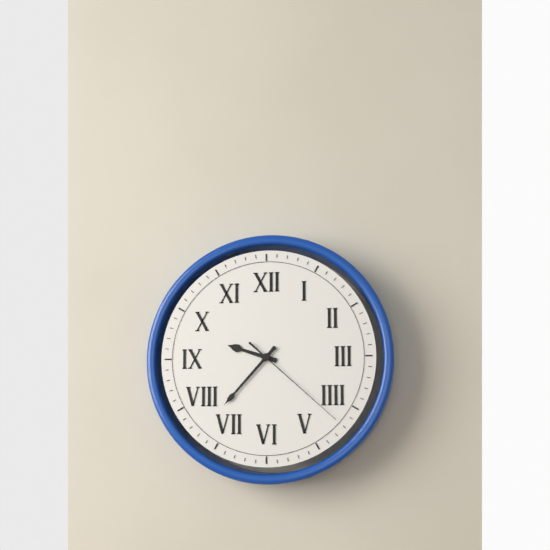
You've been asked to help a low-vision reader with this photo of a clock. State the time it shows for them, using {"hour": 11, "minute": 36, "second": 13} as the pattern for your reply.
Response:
{"hour": 9, "minute": 37, "second": 22}
